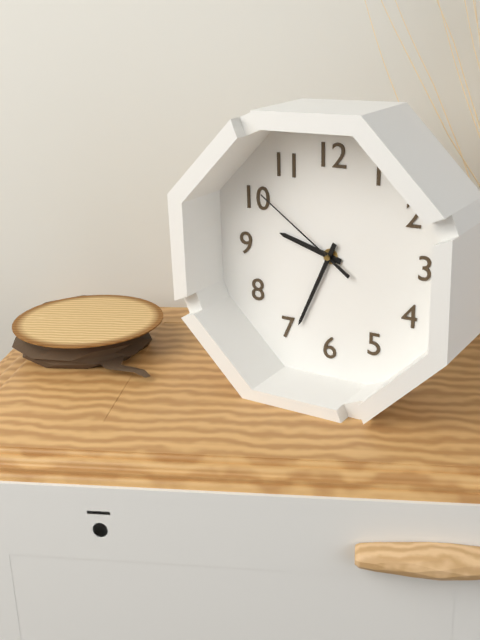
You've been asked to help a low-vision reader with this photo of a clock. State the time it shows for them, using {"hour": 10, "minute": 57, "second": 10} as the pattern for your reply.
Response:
{"hour": 9, "minute": 34, "second": 51}
